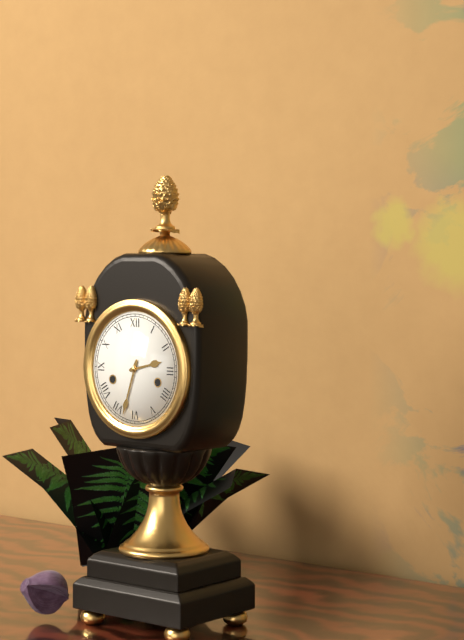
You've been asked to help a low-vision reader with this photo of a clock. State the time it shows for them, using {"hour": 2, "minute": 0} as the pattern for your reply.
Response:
{"hour": 2, "minute": 33}
